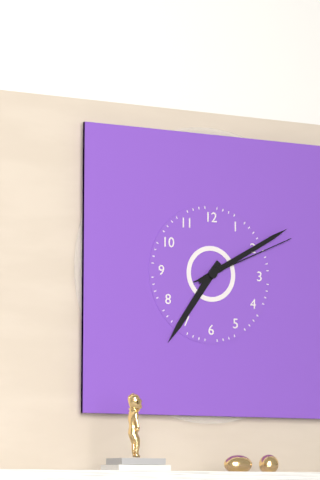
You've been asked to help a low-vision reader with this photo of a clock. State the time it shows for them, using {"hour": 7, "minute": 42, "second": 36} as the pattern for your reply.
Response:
{"hour": 7, "minute": 10, "second": 11}
